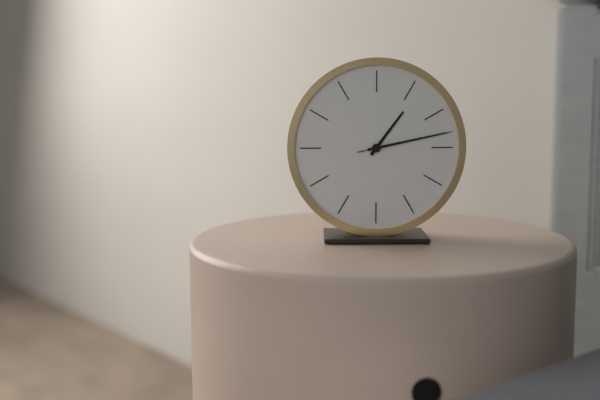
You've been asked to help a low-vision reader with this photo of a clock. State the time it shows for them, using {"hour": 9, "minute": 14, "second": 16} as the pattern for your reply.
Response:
{"hour": 1, "minute": 13, "second": 13}
